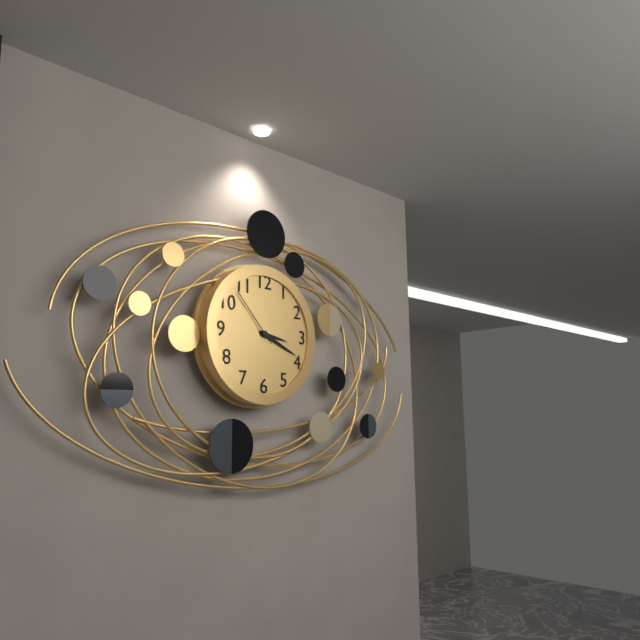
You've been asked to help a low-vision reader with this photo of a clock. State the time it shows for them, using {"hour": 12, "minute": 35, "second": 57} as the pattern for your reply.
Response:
{"hour": 3, "minute": 19, "second": 53}
